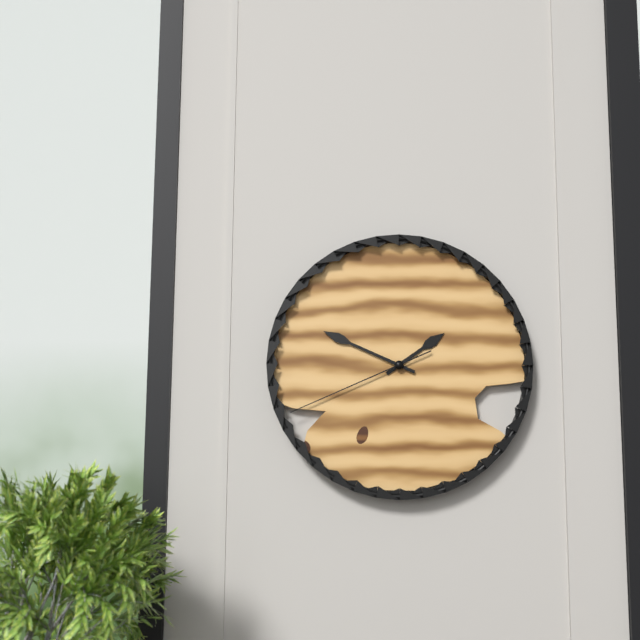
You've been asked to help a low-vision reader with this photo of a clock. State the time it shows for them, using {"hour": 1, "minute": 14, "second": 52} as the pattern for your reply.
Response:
{"hour": 1, "minute": 49, "second": 41}
